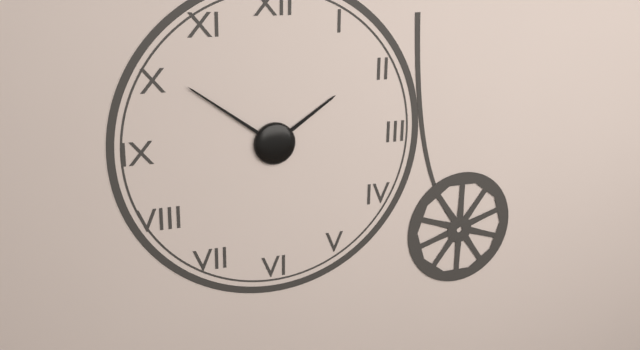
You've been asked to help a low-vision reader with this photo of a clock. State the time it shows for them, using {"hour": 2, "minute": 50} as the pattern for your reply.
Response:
{"hour": 1, "minute": 51}
